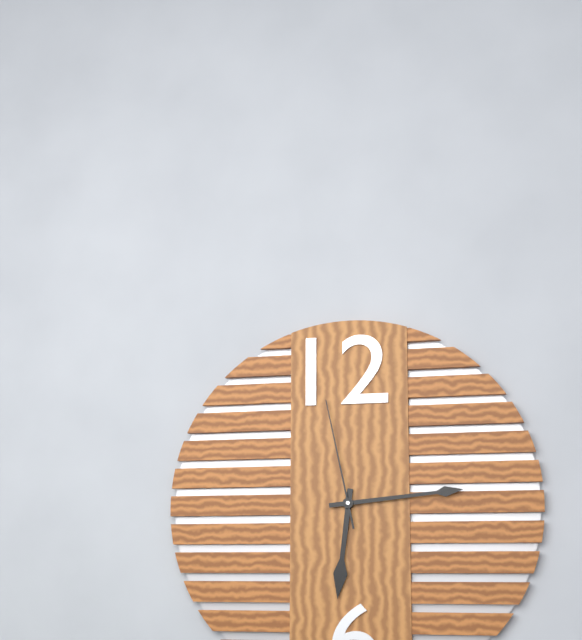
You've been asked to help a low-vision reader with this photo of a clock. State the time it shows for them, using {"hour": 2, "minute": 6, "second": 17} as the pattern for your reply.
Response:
{"hour": 6, "minute": 14, "second": 58}
